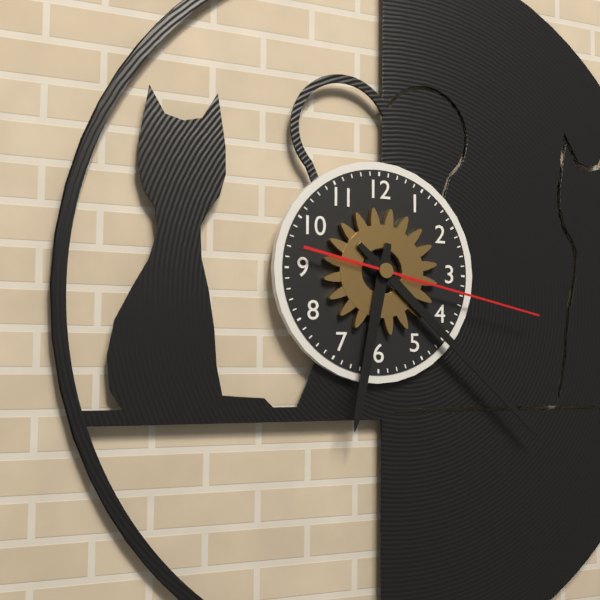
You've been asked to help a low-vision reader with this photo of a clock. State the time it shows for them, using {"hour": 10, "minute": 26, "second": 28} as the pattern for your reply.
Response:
{"hour": 6, "minute": 22, "second": 17}
